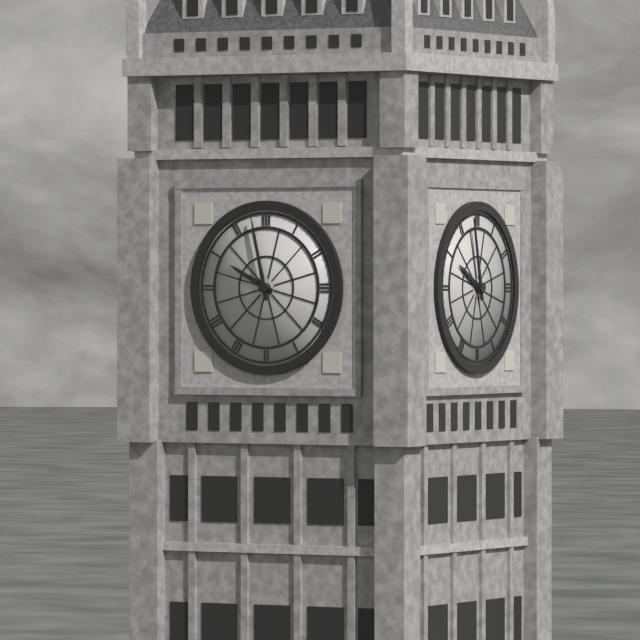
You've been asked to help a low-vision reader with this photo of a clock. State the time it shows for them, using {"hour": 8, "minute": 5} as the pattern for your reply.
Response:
{"hour": 9, "minute": 58}
